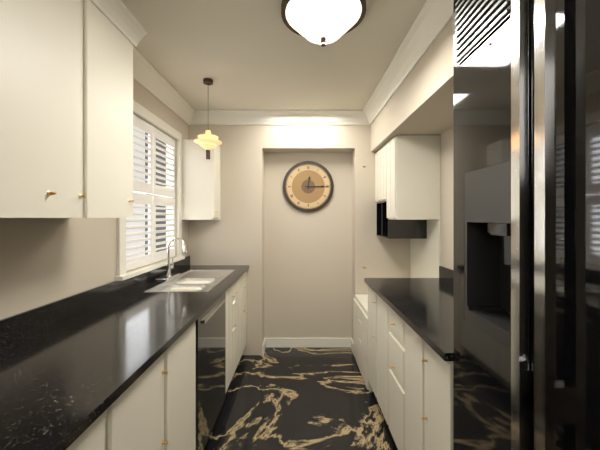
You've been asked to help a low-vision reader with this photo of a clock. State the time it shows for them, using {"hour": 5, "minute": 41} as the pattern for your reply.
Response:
{"hour": 12, "minute": 15}
